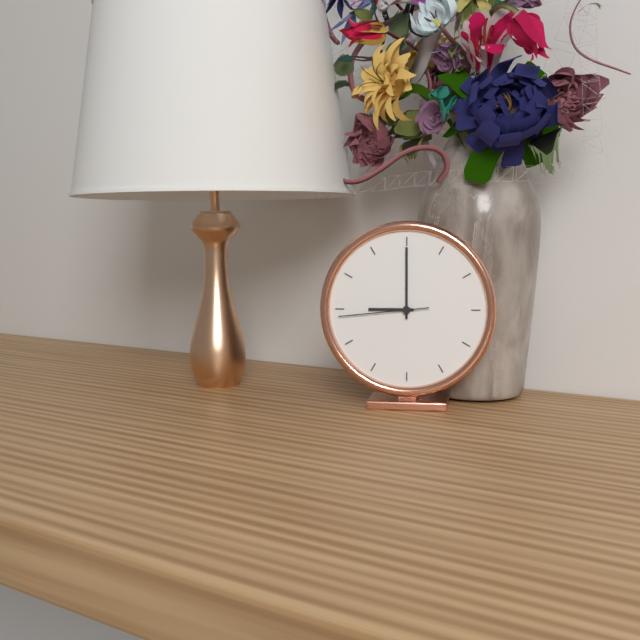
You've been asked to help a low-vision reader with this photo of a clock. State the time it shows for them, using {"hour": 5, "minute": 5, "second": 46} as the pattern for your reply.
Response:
{"hour": 9, "minute": 0, "second": 44}
